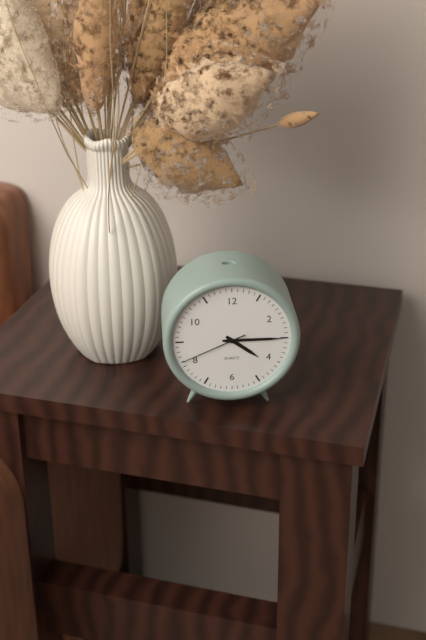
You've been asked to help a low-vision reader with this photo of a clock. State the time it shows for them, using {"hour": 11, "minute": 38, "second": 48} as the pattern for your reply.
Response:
{"hour": 4, "minute": 15, "second": 41}
